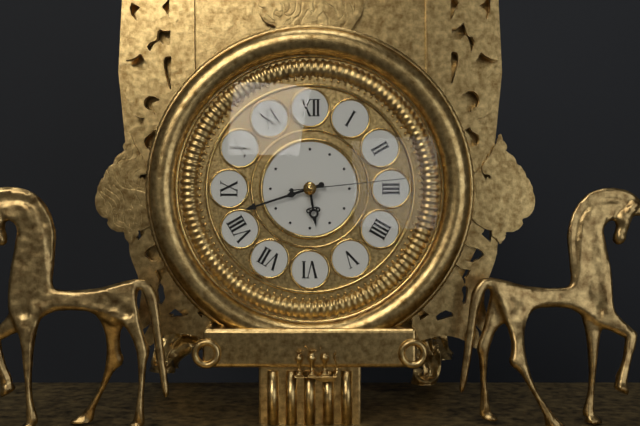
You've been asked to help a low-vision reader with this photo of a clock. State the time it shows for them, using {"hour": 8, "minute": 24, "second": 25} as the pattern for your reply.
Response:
{"hour": 5, "minute": 42, "second": 14}
